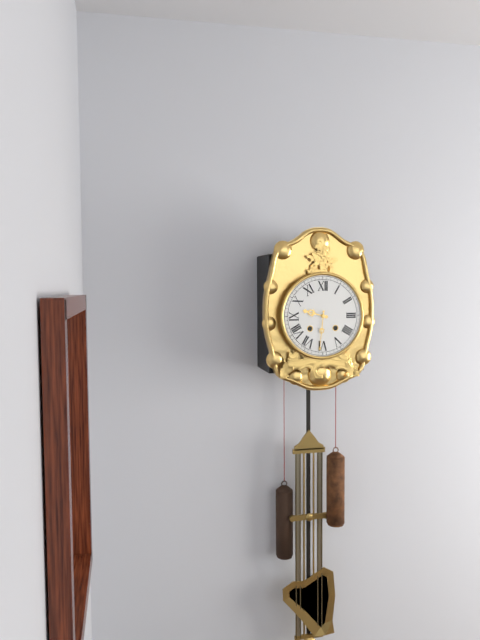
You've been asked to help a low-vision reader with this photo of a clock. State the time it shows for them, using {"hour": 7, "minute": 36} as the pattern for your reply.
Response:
{"hour": 9, "minute": 31}
